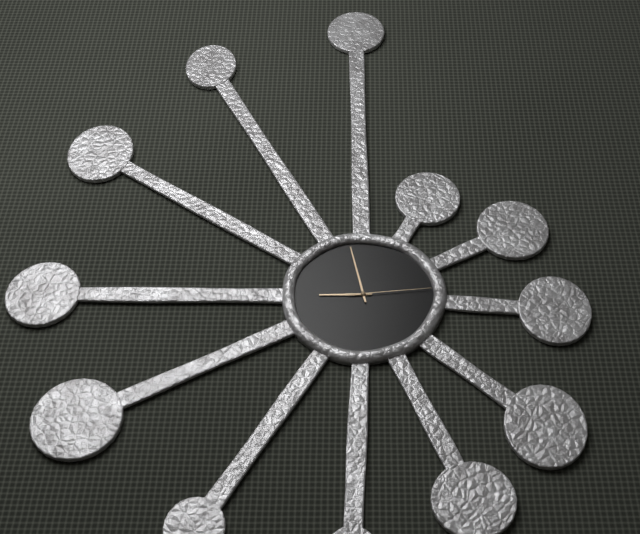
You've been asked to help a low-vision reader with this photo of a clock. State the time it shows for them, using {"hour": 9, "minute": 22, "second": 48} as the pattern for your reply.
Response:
{"hour": 8, "minute": 58, "second": 14}
